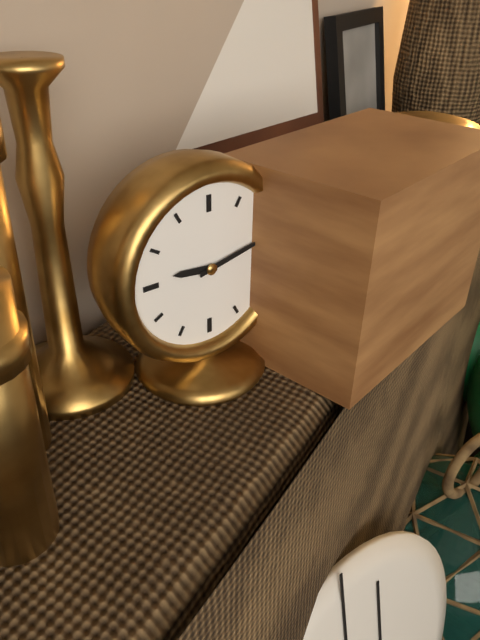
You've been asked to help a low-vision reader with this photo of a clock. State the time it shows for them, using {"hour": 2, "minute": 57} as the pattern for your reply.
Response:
{"hour": 9, "minute": 13}
